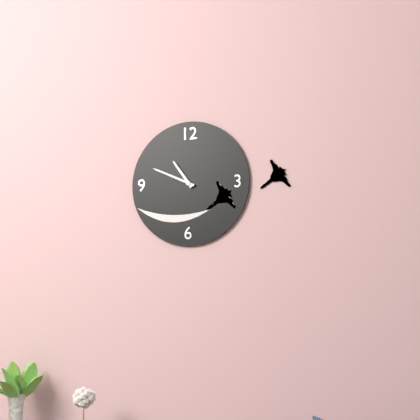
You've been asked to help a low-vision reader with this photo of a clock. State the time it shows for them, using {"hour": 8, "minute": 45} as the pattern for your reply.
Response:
{"hour": 10, "minute": 49}
